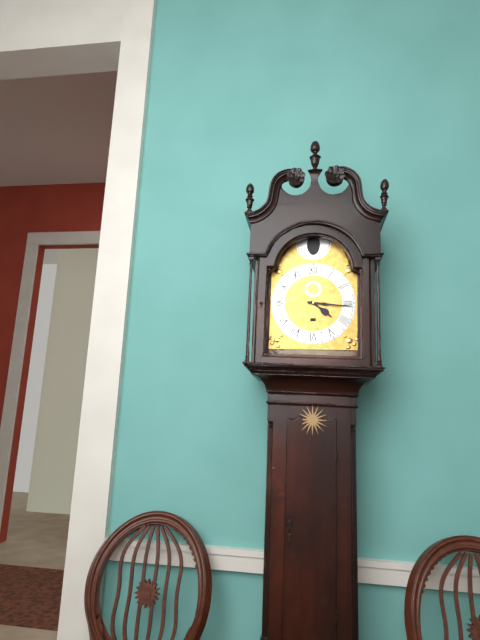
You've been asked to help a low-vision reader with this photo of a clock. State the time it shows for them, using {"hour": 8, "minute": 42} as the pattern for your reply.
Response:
{"hour": 4, "minute": 16}
